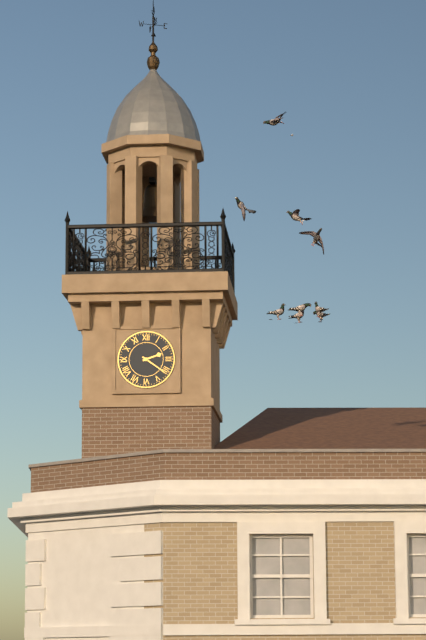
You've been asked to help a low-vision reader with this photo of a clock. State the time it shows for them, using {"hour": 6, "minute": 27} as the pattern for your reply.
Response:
{"hour": 2, "minute": 21}
